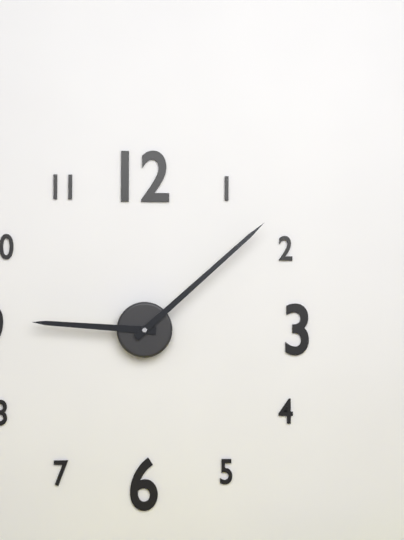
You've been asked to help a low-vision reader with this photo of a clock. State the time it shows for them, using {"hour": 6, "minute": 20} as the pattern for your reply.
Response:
{"hour": 9, "minute": 8}
